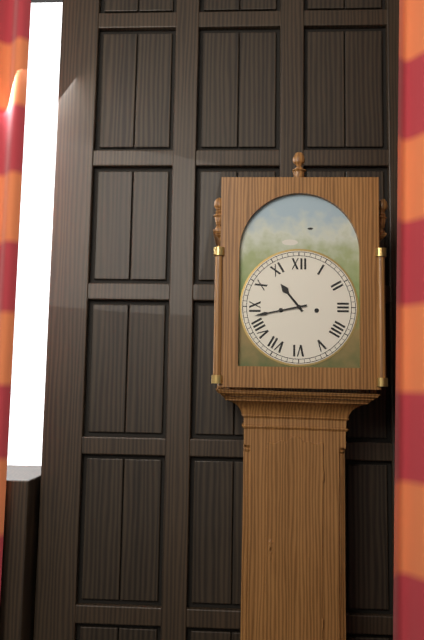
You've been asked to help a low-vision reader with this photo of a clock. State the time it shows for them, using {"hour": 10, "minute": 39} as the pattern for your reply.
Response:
{"hour": 10, "minute": 43}
